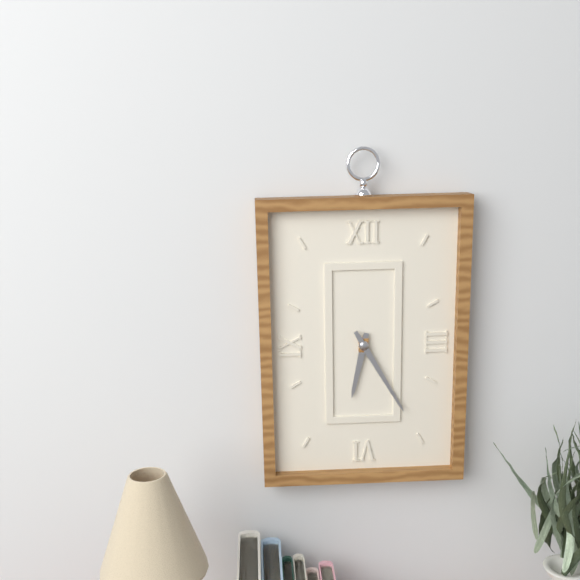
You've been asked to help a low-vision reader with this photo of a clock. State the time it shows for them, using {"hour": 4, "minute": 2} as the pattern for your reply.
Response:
{"hour": 6, "minute": 25}
